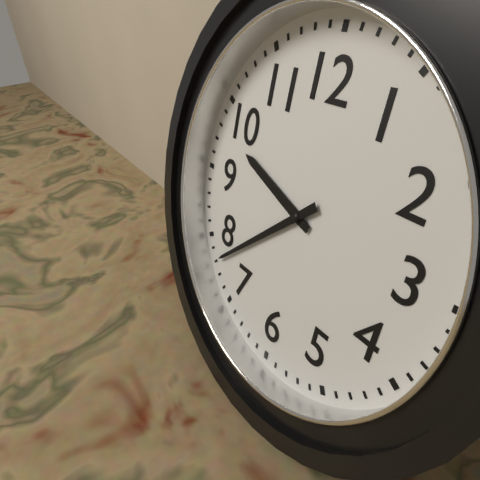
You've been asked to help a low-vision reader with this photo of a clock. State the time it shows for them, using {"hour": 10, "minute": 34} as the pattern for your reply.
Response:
{"hour": 9, "minute": 38}
